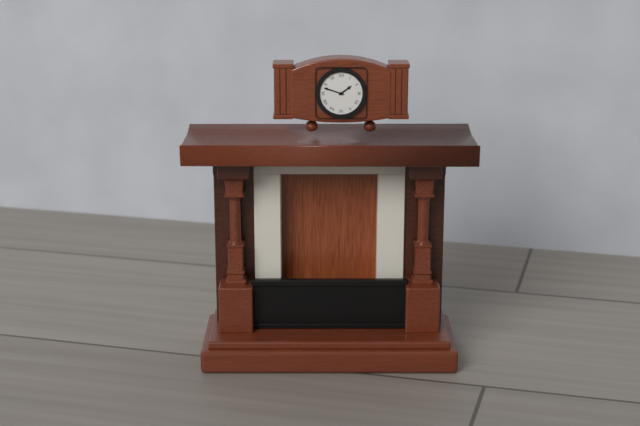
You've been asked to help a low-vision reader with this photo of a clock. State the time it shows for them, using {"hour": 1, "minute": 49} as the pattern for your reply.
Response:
{"hour": 1, "minute": 48}
